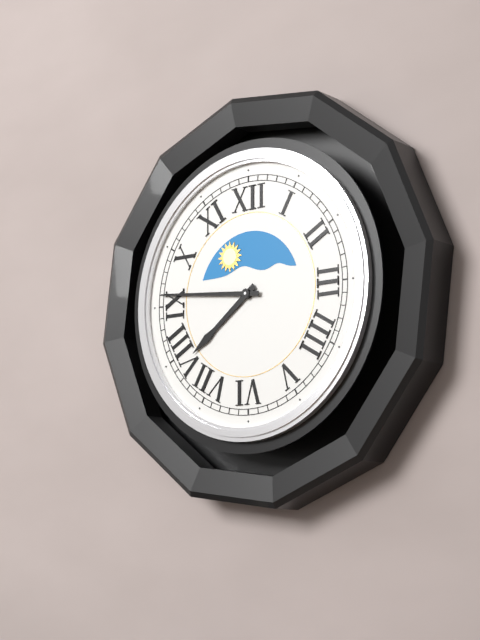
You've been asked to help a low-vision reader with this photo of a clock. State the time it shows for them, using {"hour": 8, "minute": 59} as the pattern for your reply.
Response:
{"hour": 7, "minute": 46}
